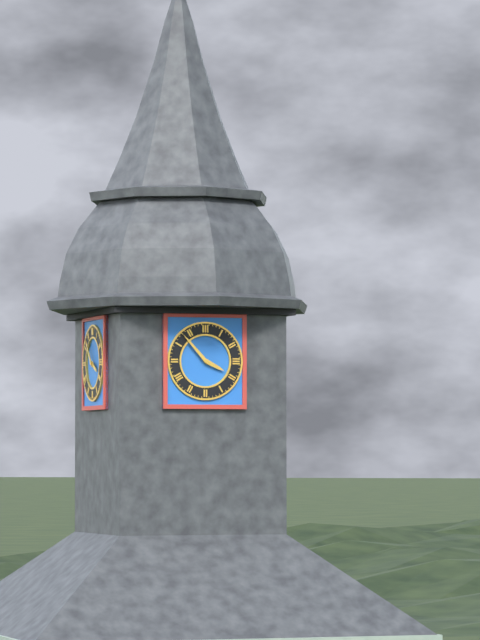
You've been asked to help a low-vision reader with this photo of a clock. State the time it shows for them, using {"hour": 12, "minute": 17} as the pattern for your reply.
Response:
{"hour": 3, "minute": 53}
